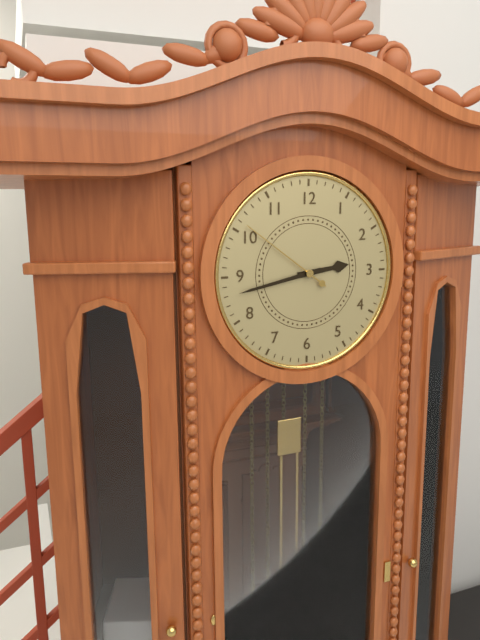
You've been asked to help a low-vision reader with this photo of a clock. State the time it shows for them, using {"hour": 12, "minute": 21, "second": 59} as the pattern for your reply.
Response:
{"hour": 2, "minute": 43, "second": 51}
